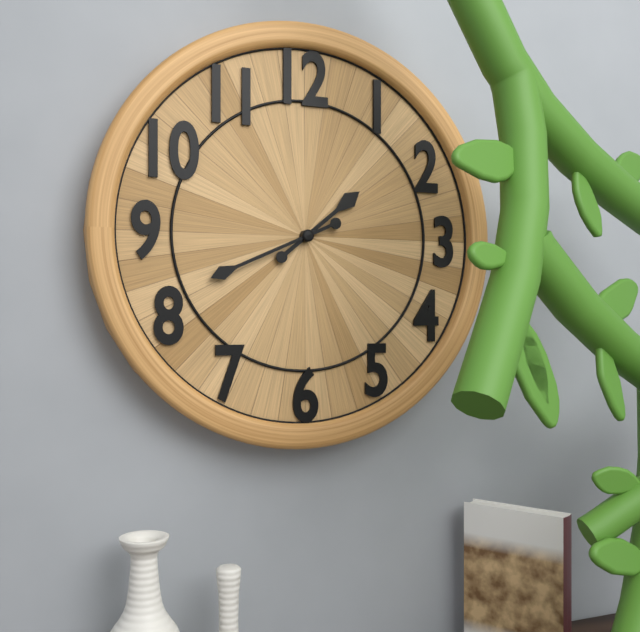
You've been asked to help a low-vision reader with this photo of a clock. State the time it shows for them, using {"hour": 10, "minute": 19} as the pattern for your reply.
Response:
{"hour": 1, "minute": 41}
